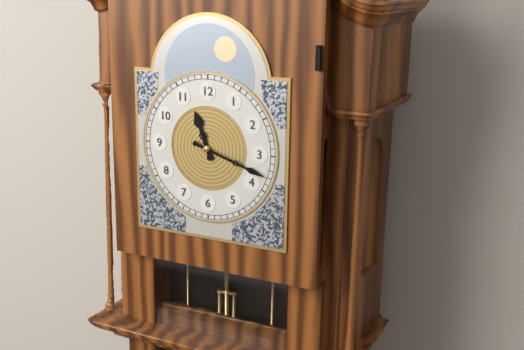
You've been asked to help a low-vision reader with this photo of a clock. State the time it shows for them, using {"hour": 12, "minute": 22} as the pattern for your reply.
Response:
{"hour": 11, "minute": 18}
